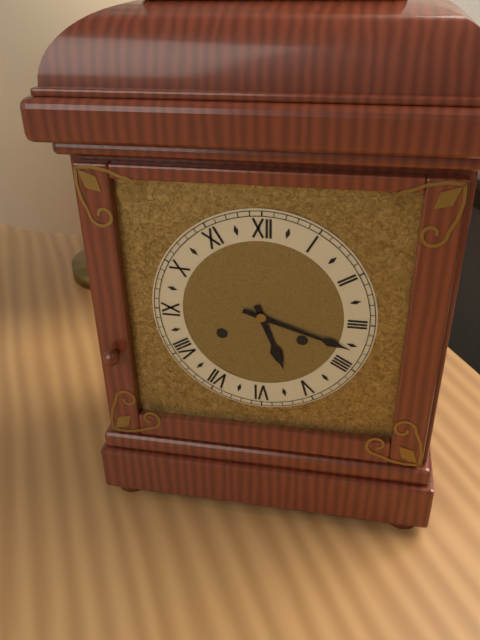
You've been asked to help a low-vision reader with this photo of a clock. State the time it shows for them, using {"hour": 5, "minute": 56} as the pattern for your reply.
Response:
{"hour": 5, "minute": 18}
